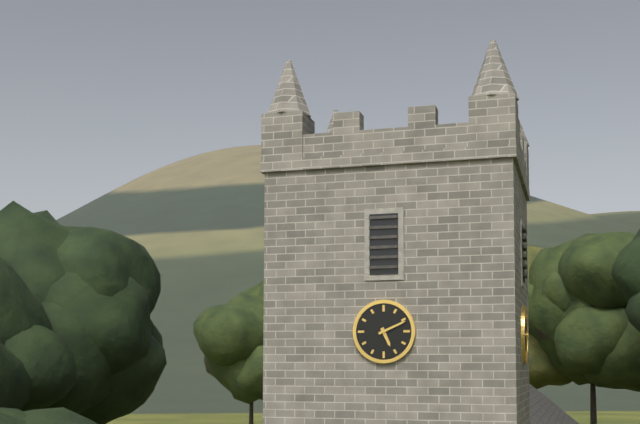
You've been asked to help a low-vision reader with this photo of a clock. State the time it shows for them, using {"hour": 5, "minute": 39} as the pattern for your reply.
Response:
{"hour": 5, "minute": 11}
